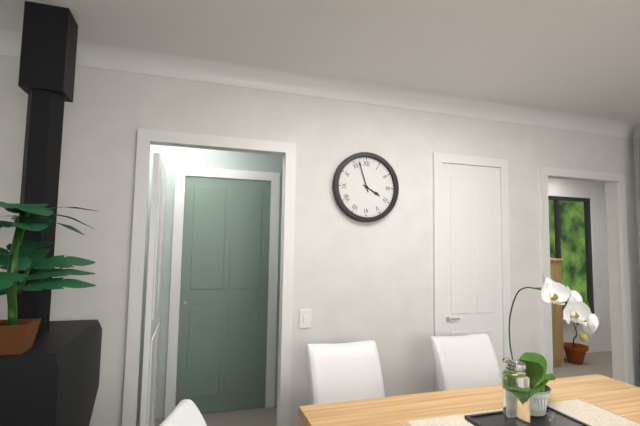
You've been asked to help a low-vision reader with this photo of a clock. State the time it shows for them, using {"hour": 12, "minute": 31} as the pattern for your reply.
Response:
{"hour": 3, "minute": 57}
